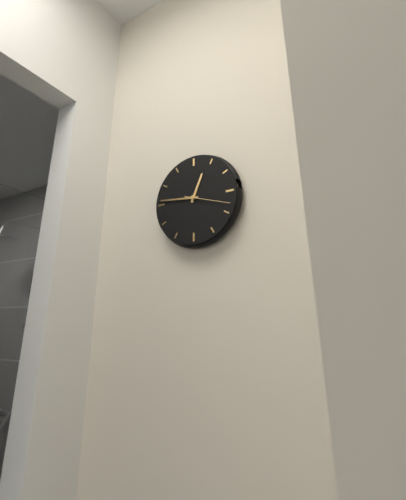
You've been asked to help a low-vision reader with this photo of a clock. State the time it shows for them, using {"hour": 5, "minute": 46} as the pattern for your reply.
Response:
{"hour": 12, "minute": 46}
